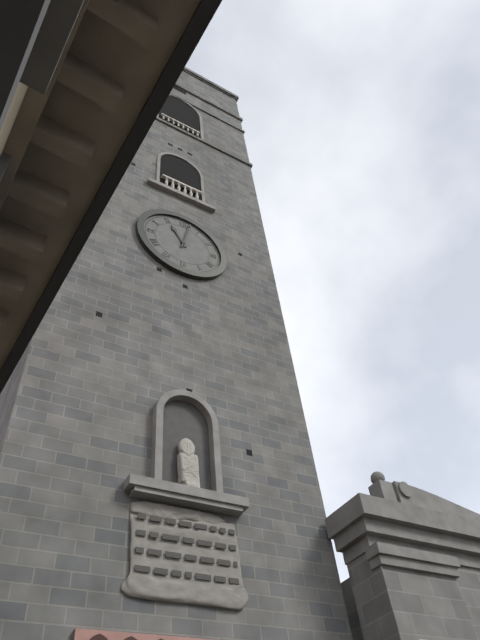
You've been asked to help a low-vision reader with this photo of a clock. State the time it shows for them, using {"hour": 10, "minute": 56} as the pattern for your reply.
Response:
{"hour": 11, "minute": 2}
